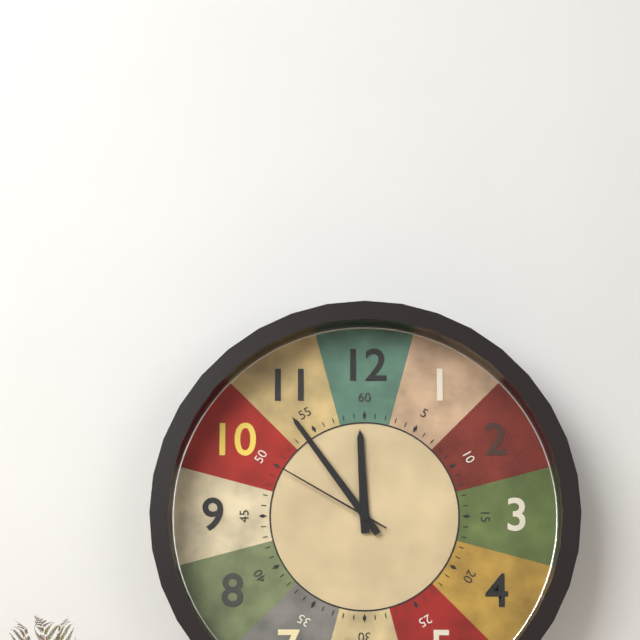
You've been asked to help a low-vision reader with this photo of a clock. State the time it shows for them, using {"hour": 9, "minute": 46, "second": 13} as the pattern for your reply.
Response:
{"hour": 11, "minute": 54, "second": 50}
